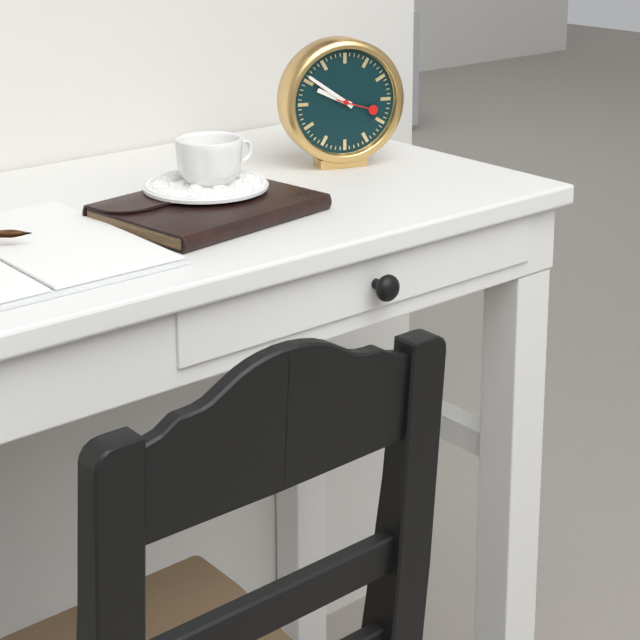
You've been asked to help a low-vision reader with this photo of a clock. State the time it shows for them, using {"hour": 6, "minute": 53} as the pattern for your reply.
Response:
{"hour": 9, "minute": 51}
